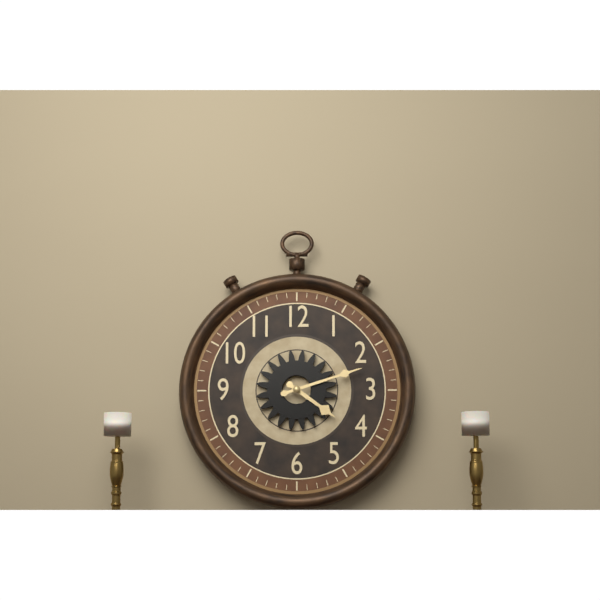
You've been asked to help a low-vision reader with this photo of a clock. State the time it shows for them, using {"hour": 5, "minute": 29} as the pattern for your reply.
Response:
{"hour": 4, "minute": 12}
